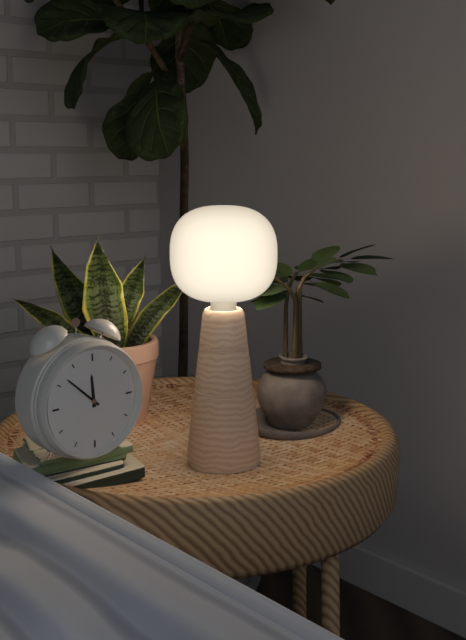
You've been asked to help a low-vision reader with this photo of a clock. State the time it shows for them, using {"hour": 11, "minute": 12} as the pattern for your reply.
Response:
{"hour": 11, "minute": 52}
